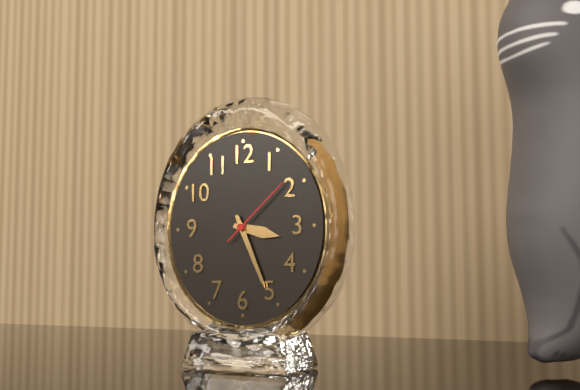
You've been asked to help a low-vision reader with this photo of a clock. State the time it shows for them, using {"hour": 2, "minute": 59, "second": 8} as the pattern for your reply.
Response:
{"hour": 3, "minute": 26, "second": 8}
